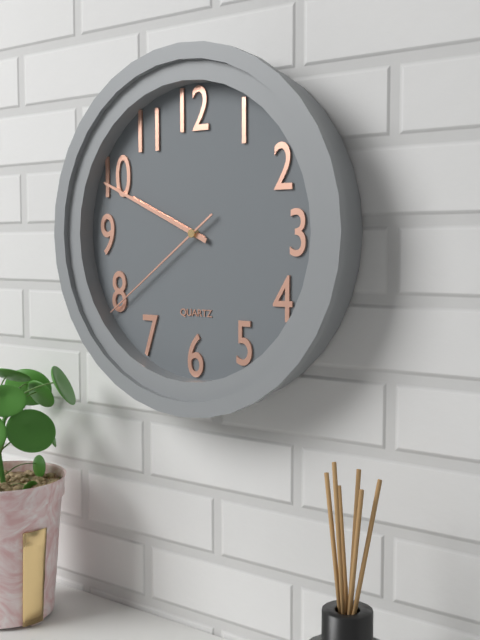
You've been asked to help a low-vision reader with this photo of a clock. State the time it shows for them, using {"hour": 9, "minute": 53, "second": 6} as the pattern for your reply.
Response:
{"hour": 9, "minute": 49, "second": 39}
